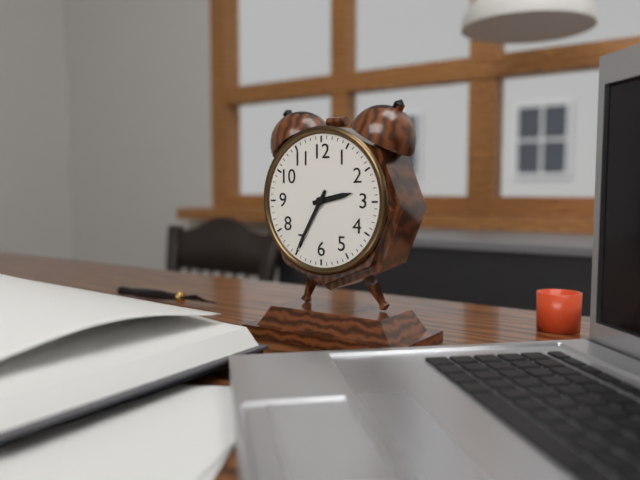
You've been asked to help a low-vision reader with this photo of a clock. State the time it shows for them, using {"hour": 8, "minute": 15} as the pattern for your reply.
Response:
{"hour": 2, "minute": 35}
